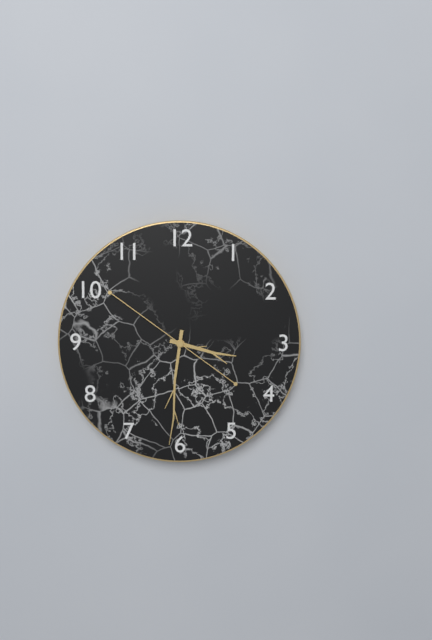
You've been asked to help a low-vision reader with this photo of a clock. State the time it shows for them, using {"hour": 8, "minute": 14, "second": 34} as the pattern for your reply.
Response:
{"hour": 3, "minute": 31, "second": 51}
